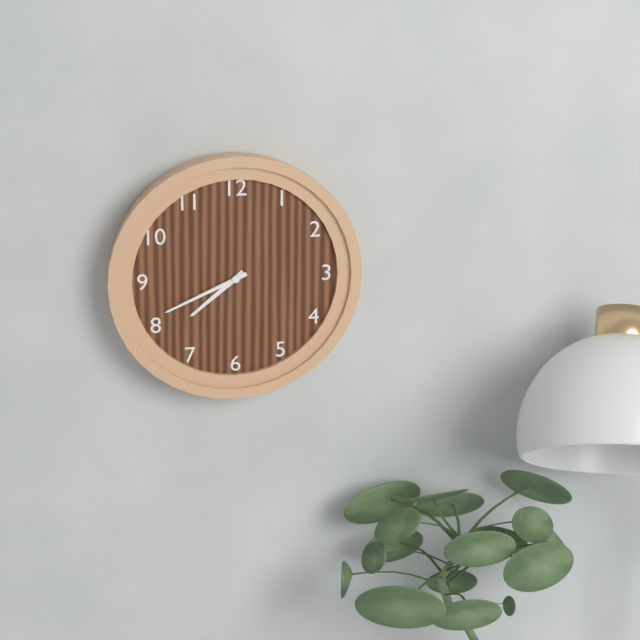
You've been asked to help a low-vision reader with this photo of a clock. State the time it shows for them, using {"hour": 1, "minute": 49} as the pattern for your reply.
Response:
{"hour": 7, "minute": 41}
